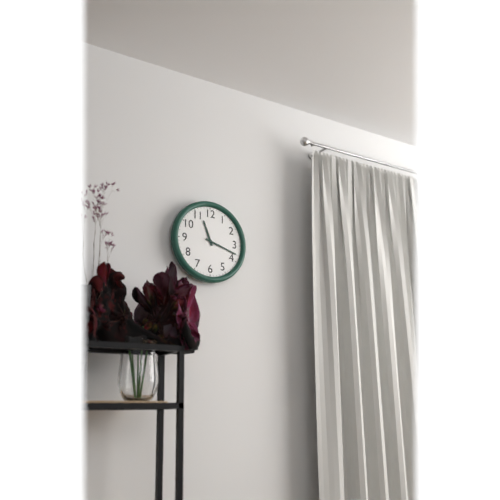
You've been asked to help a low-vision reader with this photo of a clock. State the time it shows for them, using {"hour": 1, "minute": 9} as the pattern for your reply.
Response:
{"hour": 11, "minute": 18}
